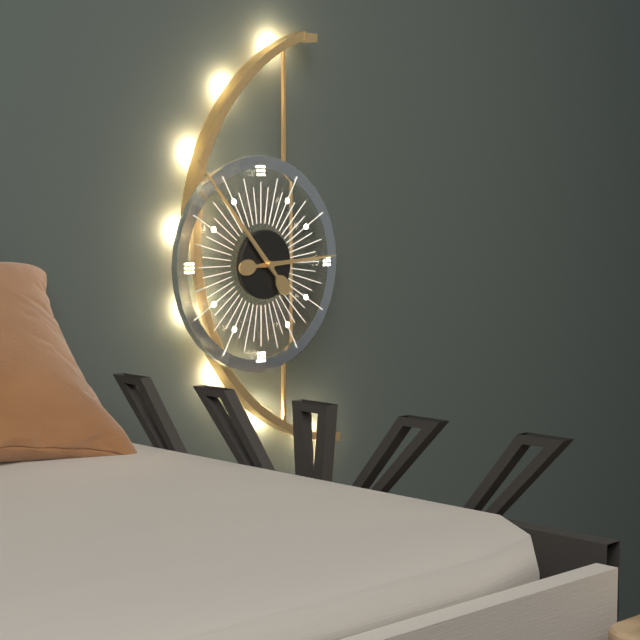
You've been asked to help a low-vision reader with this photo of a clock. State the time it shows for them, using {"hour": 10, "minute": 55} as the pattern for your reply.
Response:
{"hour": 2, "minute": 53}
